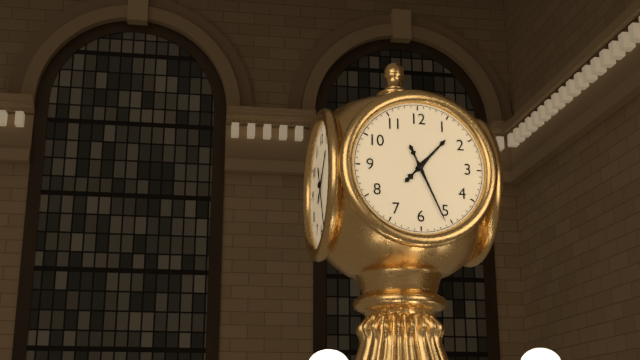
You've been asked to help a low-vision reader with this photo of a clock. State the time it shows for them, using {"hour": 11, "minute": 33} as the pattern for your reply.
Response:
{"hour": 1, "minute": 26}
